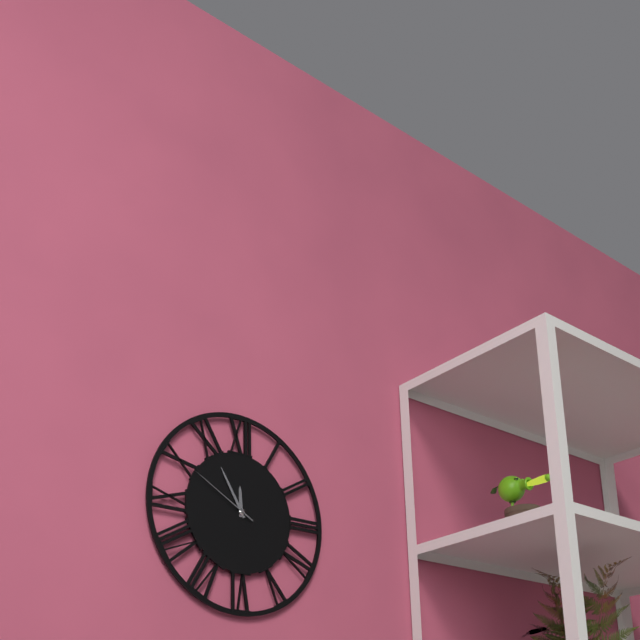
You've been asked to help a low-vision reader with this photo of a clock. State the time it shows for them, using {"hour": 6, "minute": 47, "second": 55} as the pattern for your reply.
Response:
{"hour": 11, "minute": 55, "second": 50}
